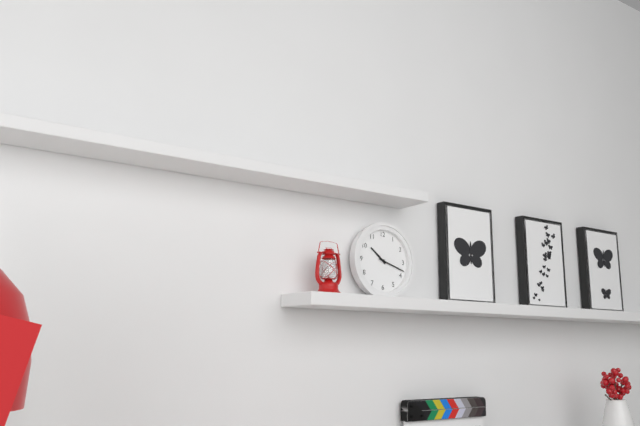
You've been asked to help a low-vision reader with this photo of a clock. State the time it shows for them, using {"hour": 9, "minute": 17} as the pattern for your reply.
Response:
{"hour": 10, "minute": 18}
